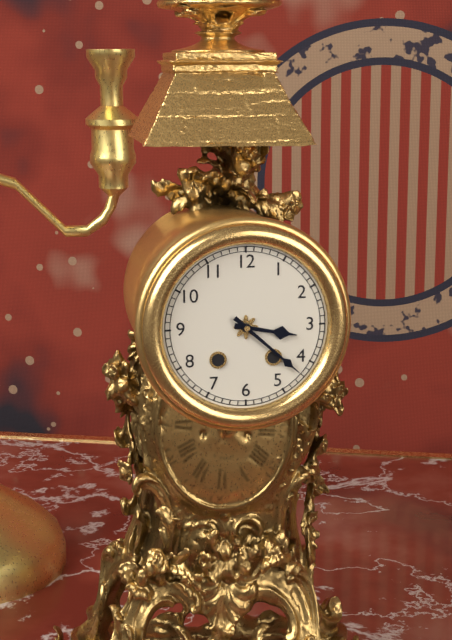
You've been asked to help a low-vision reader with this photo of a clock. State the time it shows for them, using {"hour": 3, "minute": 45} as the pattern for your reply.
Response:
{"hour": 3, "minute": 22}
